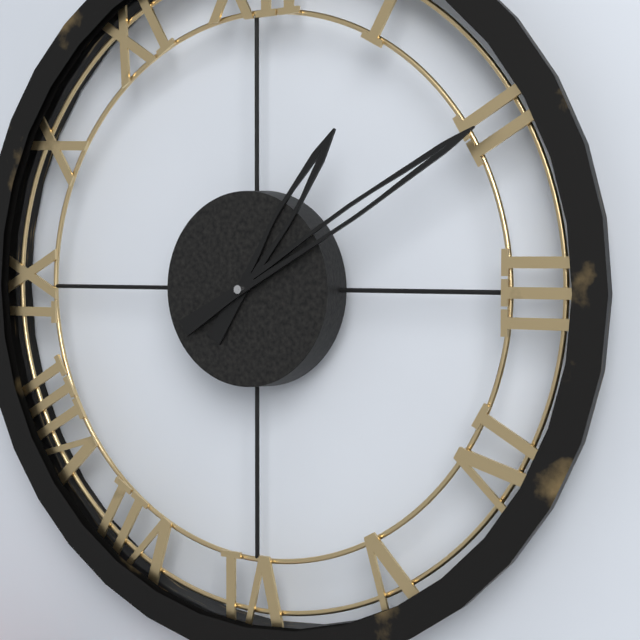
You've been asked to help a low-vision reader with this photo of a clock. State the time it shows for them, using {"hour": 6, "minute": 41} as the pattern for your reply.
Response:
{"hour": 1, "minute": 10}
